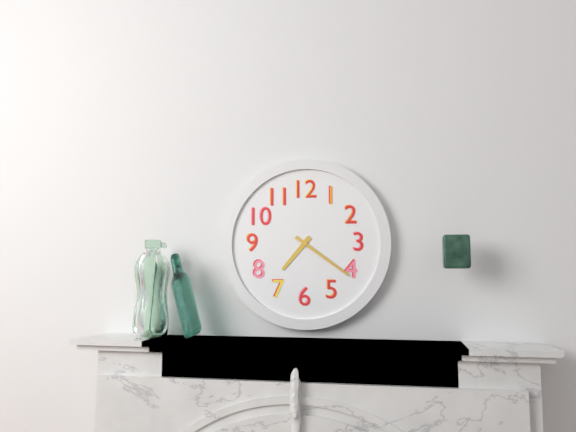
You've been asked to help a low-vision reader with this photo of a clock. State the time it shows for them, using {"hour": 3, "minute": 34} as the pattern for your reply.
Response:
{"hour": 7, "minute": 21}
